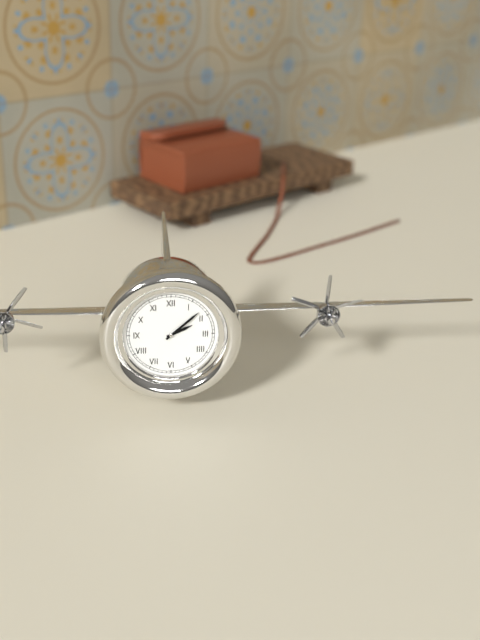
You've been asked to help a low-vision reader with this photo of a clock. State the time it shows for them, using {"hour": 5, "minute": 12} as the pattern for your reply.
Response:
{"hour": 2, "minute": 8}
